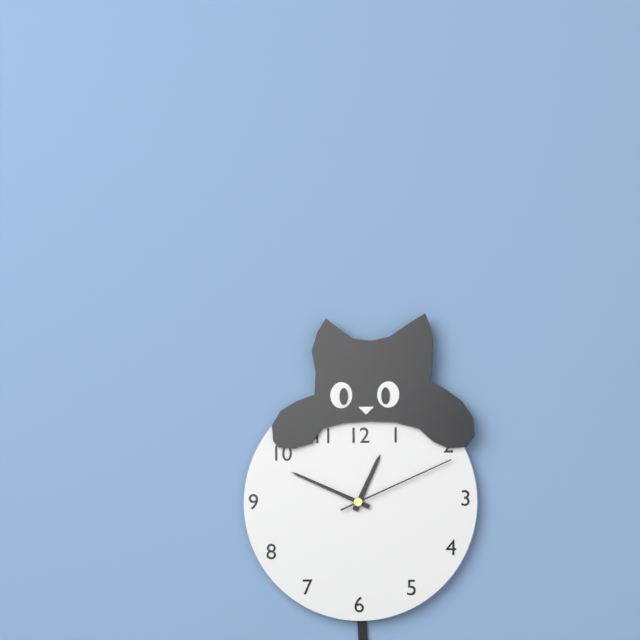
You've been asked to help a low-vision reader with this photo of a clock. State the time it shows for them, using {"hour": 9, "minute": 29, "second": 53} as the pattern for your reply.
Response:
{"hour": 12, "minute": 49, "second": 11}
